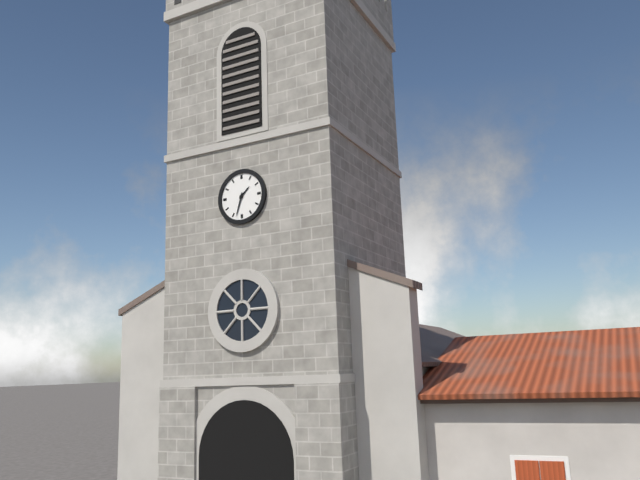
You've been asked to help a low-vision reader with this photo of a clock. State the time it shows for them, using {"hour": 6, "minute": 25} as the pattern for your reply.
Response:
{"hour": 1, "minute": 33}
